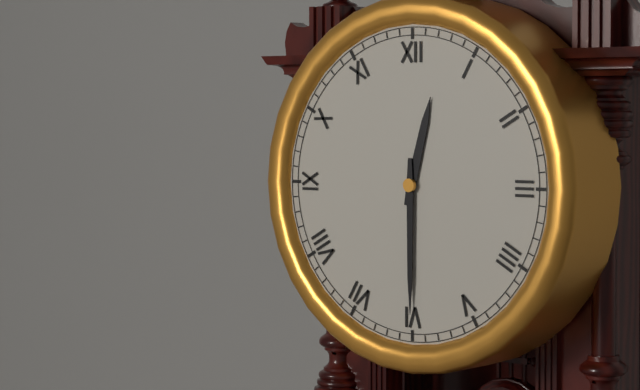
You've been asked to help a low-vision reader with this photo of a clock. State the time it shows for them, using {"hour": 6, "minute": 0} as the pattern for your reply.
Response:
{"hour": 12, "minute": 30}
